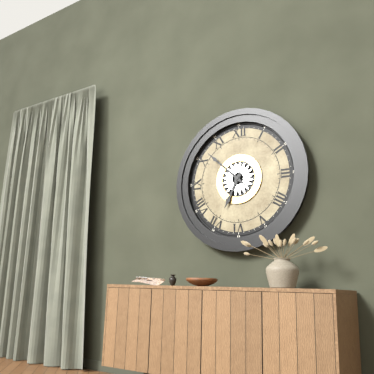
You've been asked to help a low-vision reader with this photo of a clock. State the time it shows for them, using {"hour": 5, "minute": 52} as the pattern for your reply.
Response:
{"hour": 6, "minute": 52}
